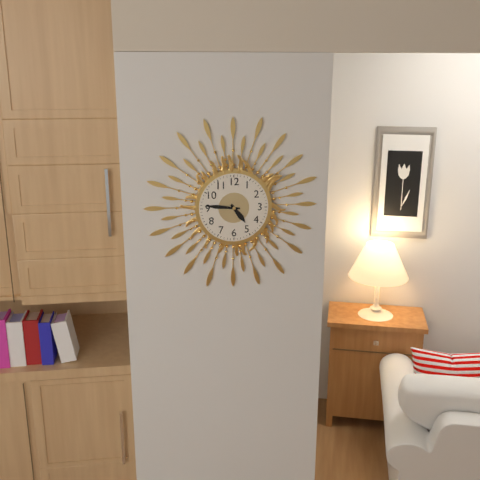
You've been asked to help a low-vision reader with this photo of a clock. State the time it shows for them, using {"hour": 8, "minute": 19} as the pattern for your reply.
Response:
{"hour": 4, "minute": 46}
